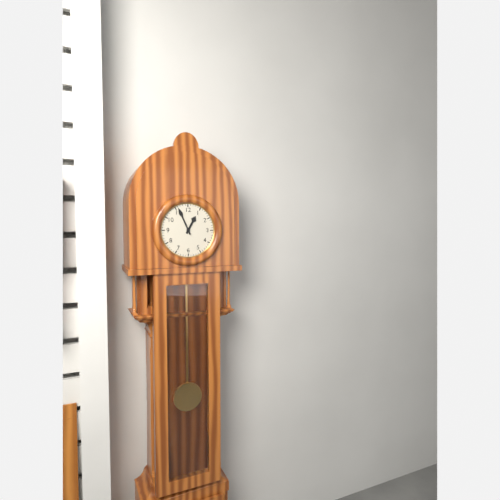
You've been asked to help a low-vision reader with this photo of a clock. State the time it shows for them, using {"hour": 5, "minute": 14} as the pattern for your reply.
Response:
{"hour": 12, "minute": 56}
